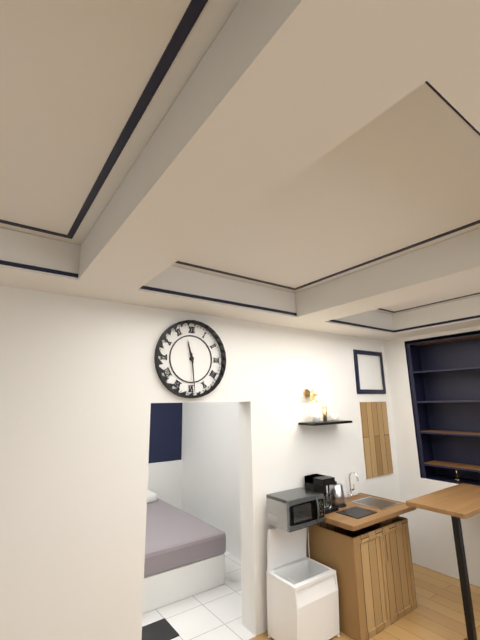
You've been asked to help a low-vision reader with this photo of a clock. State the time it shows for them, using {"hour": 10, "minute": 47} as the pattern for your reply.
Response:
{"hour": 11, "minute": 29}
